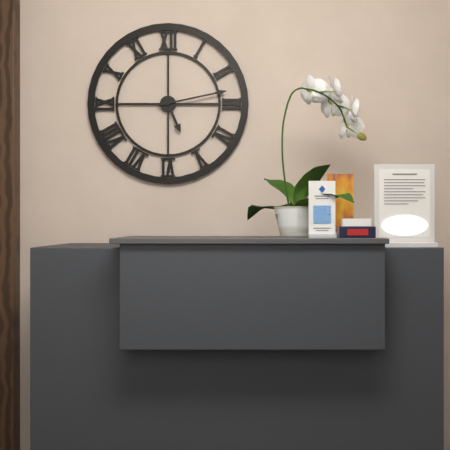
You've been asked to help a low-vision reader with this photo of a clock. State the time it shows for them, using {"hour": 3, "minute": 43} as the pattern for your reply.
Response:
{"hour": 5, "minute": 13}
